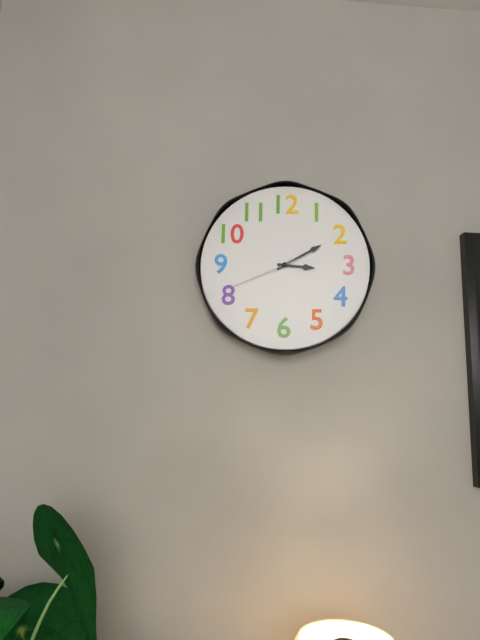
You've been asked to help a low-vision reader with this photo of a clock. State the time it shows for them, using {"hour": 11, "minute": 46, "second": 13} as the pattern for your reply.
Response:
{"hour": 3, "minute": 10, "second": 41}
